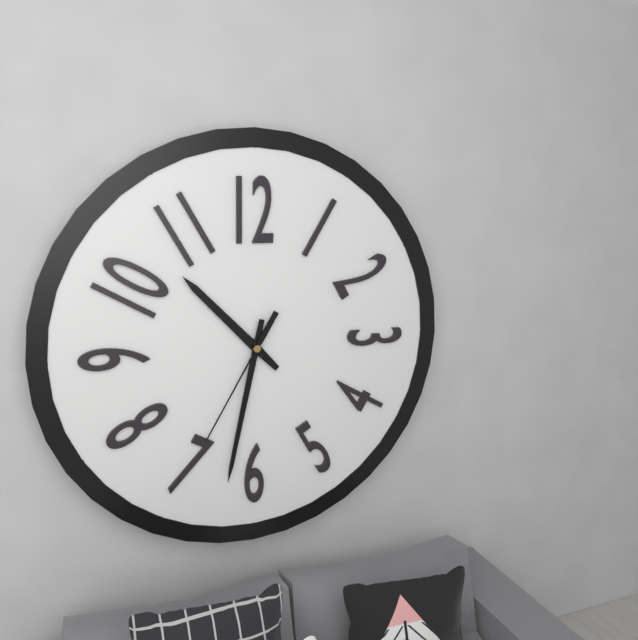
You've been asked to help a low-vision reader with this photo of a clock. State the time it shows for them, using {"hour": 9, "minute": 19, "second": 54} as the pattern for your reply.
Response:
{"hour": 10, "minute": 32, "second": 35}
